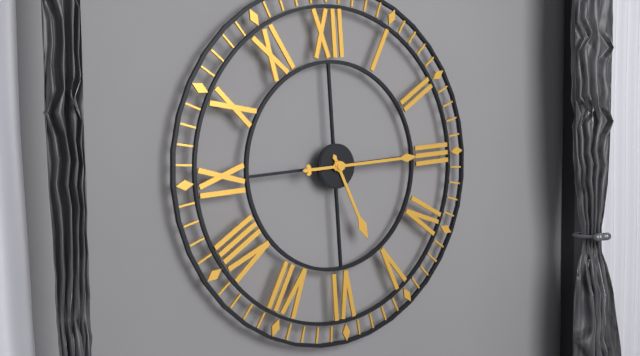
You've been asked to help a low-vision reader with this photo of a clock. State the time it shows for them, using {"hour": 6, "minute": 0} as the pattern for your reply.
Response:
{"hour": 5, "minute": 15}
